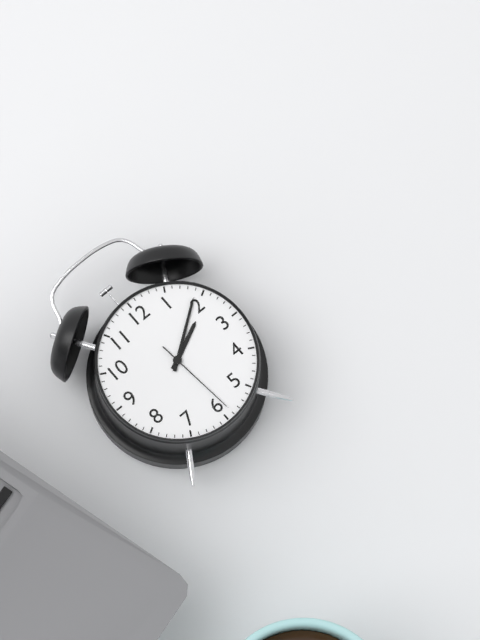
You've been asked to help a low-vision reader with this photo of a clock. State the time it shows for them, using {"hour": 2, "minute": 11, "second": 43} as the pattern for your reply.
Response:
{"hour": 2, "minute": 9, "second": 29}
